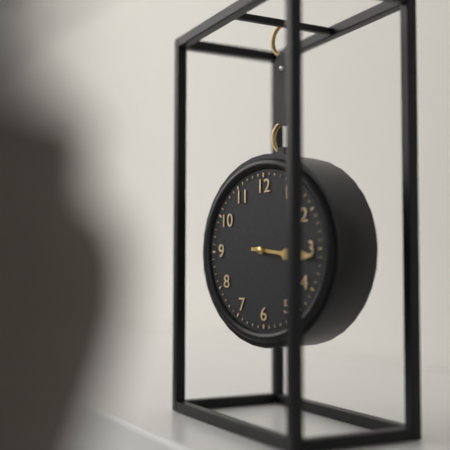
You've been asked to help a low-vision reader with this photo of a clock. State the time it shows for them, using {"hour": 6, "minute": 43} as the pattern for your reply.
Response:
{"hour": 3, "minute": 16}
